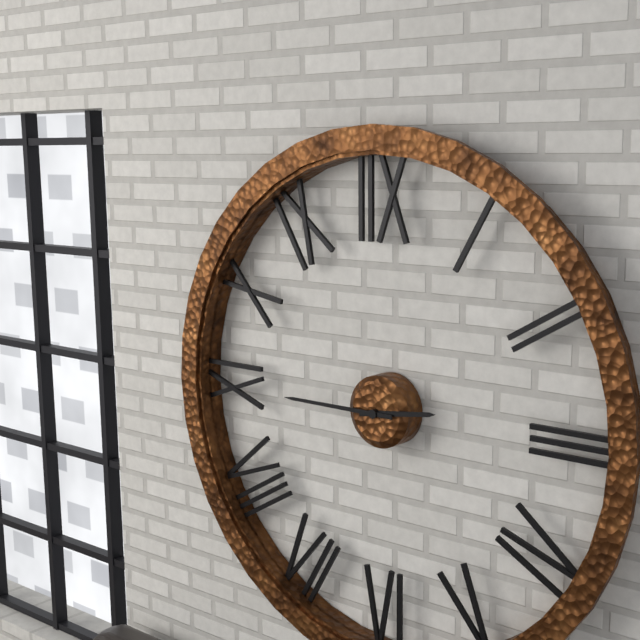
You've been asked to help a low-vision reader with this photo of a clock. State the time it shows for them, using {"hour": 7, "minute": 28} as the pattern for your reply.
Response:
{"hour": 2, "minute": 45}
